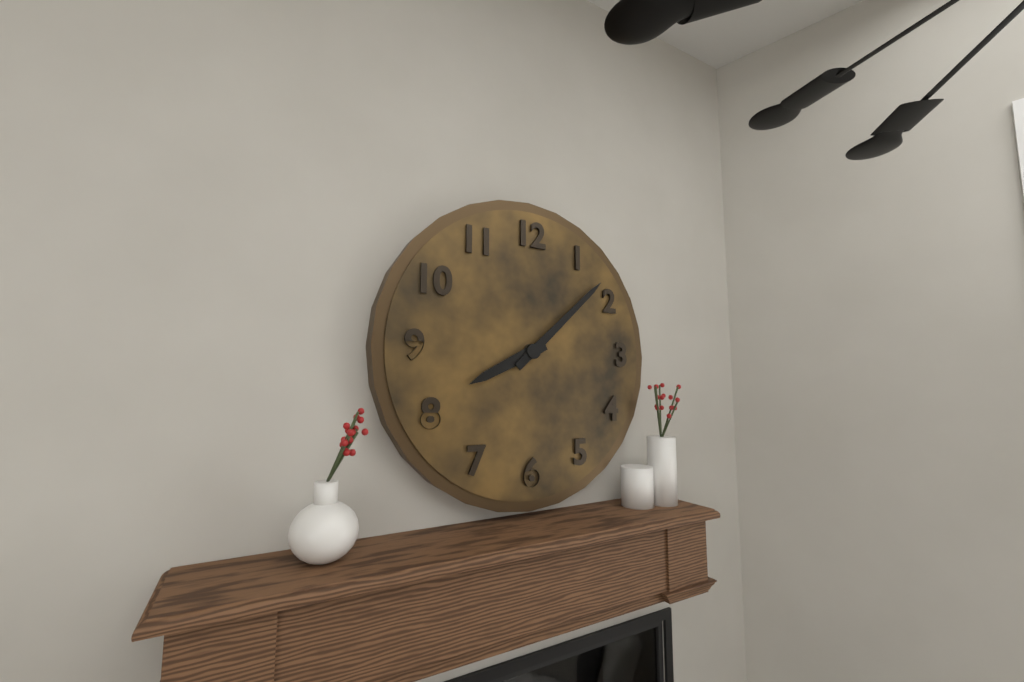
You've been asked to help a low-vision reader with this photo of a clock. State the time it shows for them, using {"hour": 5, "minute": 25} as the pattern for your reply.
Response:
{"hour": 8, "minute": 8}
